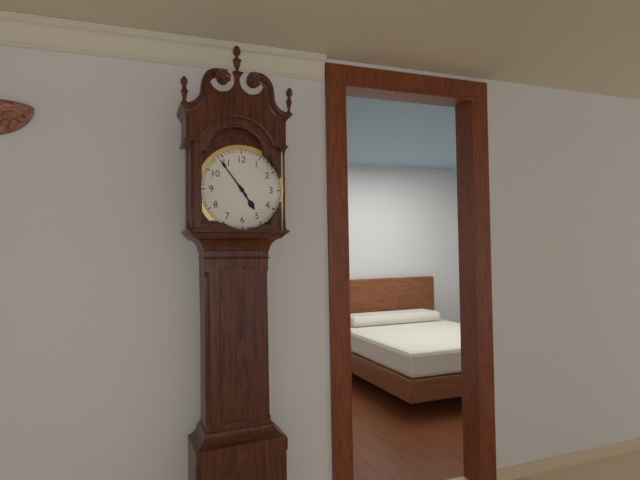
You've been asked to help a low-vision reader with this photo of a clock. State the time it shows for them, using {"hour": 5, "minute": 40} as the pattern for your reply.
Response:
{"hour": 4, "minute": 54}
